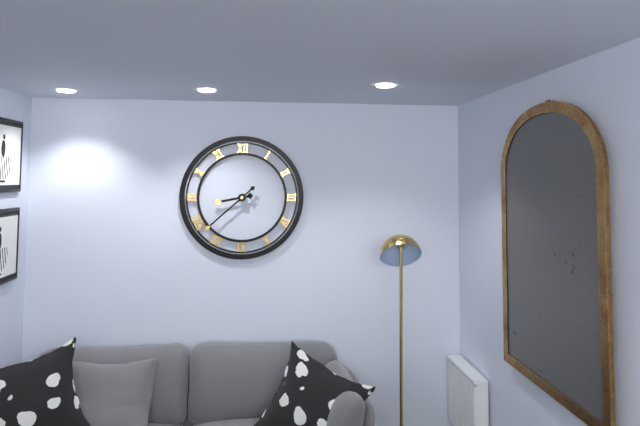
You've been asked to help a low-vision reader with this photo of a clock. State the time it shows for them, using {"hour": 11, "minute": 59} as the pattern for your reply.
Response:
{"hour": 8, "minute": 38}
